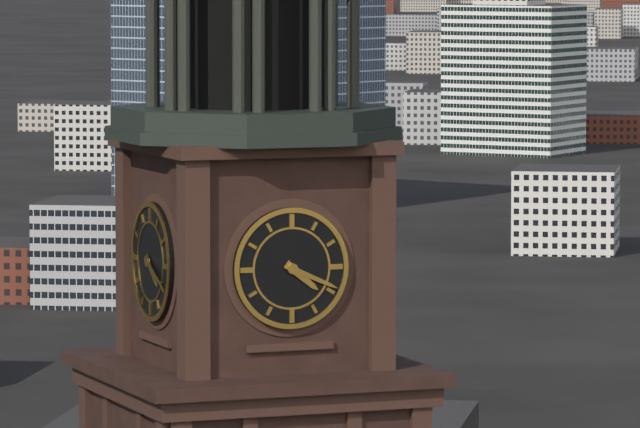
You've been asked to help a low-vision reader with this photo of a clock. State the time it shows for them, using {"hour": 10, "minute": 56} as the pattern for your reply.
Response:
{"hour": 4, "minute": 19}
